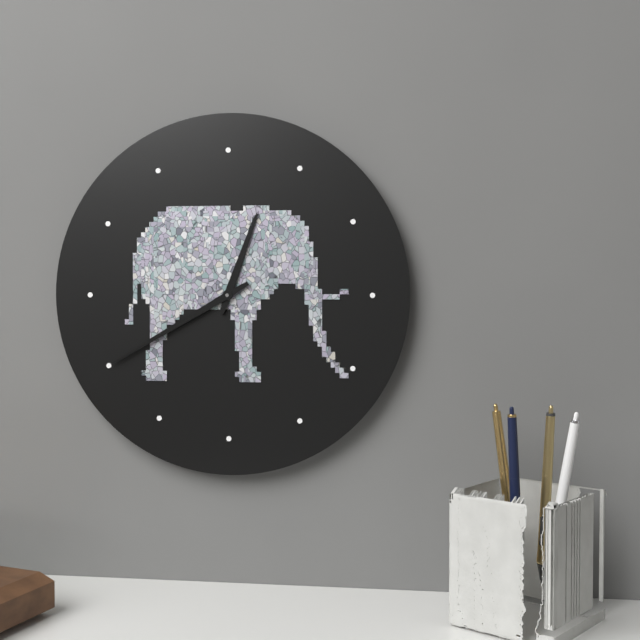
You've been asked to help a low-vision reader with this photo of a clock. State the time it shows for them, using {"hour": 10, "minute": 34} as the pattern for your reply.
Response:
{"hour": 12, "minute": 40}
